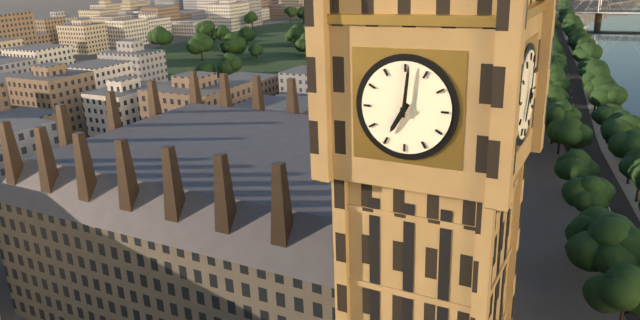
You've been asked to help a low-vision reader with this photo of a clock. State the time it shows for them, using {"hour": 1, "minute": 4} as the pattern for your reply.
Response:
{"hour": 7, "minute": 1}
